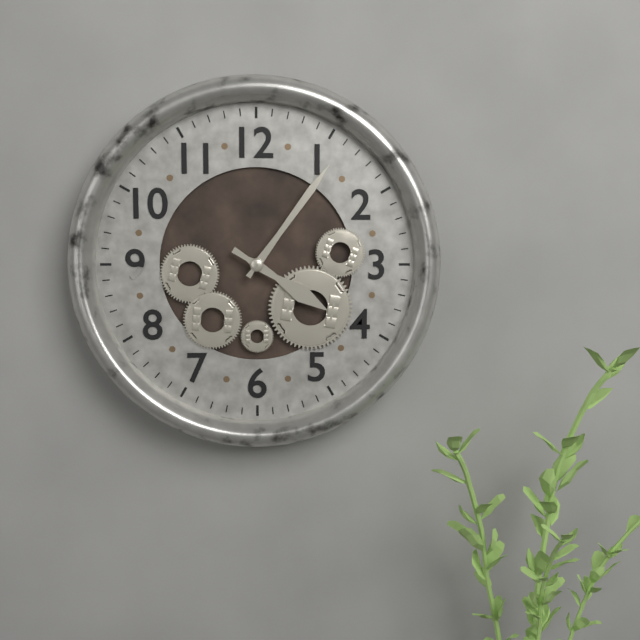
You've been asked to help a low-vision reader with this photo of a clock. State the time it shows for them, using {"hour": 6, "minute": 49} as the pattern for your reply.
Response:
{"hour": 4, "minute": 6}
